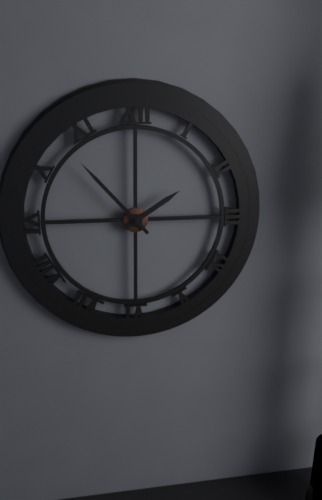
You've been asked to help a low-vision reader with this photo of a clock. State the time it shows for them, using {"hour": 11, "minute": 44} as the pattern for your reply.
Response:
{"hour": 1, "minute": 53}
